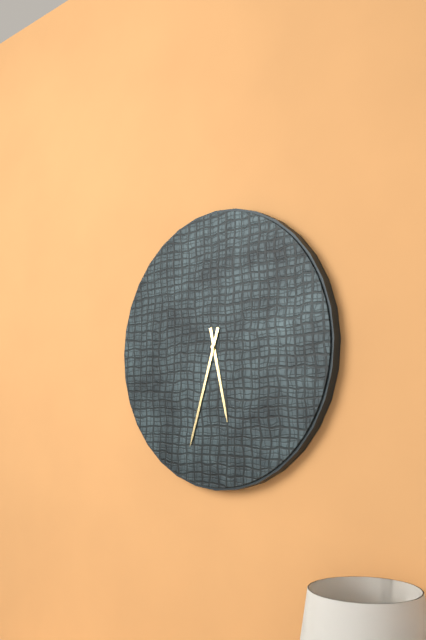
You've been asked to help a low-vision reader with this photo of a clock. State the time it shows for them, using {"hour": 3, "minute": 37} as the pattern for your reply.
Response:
{"hour": 5, "minute": 33}
